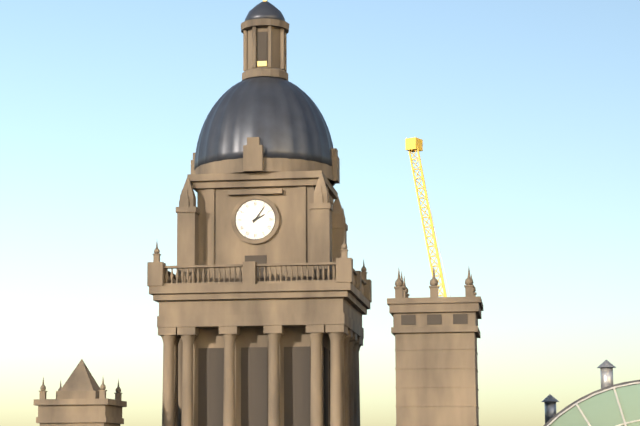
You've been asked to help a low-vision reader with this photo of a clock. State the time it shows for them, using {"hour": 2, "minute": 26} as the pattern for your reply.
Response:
{"hour": 2, "minute": 6}
